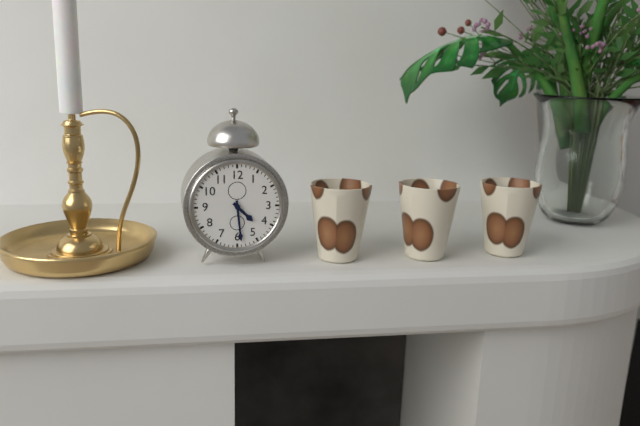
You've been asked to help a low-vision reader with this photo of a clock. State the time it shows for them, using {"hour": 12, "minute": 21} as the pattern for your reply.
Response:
{"hour": 4, "minute": 29}
